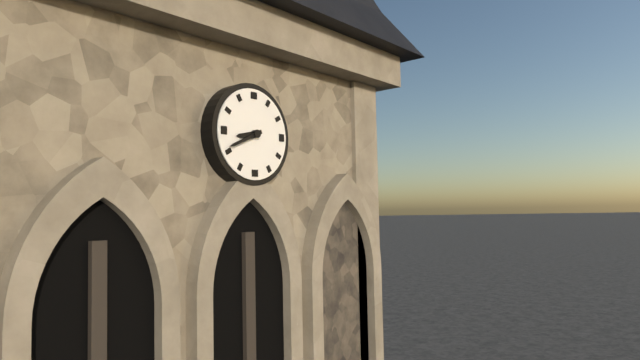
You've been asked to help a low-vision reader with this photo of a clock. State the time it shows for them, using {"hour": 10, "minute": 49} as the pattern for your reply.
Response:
{"hour": 8, "minute": 41}
